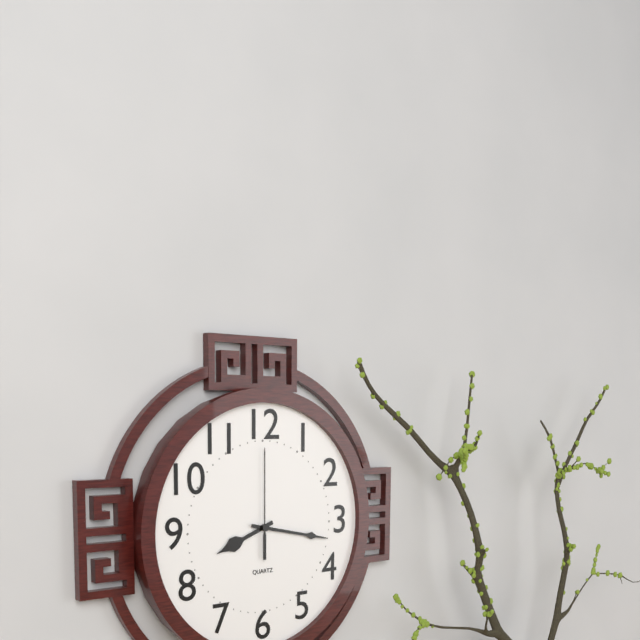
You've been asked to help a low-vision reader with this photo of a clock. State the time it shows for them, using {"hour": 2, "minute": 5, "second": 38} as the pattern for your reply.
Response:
{"hour": 8, "minute": 17, "second": 0}
